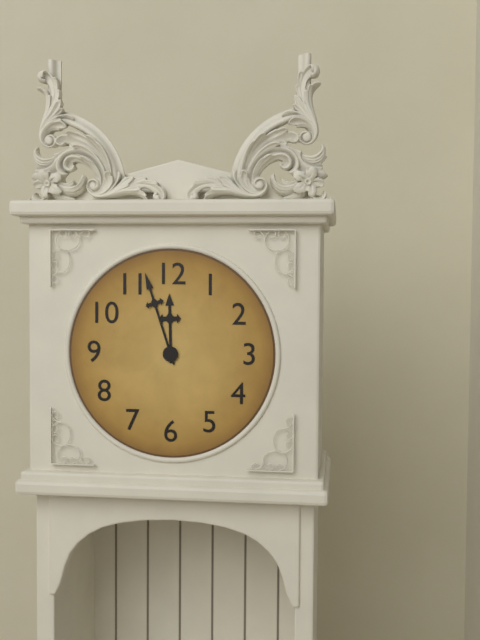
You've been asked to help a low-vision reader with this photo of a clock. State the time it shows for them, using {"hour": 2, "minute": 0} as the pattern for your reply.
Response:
{"hour": 11, "minute": 57}
